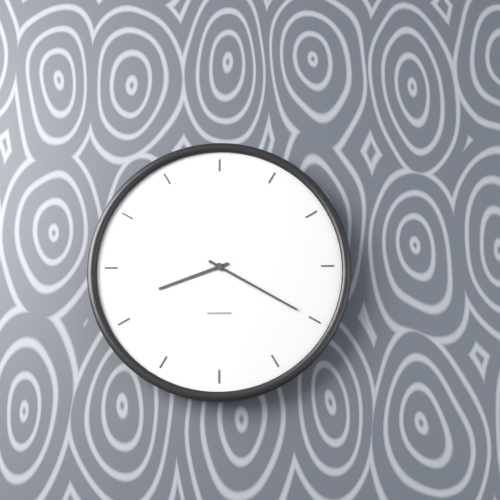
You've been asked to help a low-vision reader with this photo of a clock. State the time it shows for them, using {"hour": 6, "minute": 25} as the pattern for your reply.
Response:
{"hour": 8, "minute": 20}
